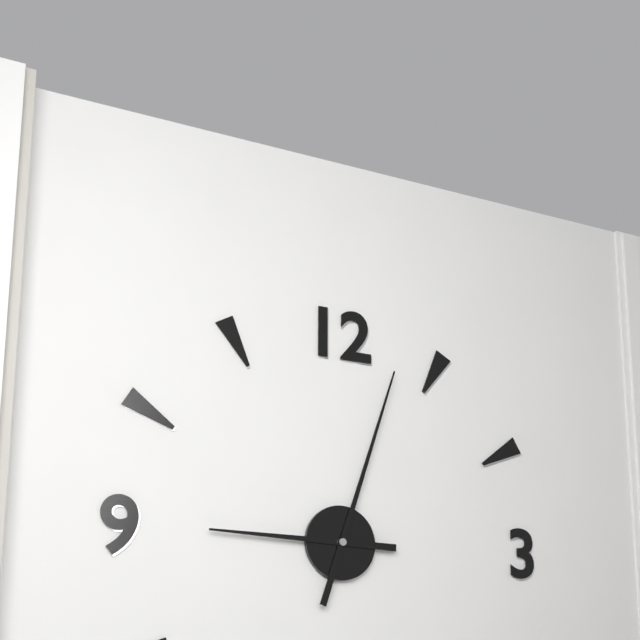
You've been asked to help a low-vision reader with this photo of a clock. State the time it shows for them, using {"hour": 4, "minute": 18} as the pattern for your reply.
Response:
{"hour": 9, "minute": 3}
